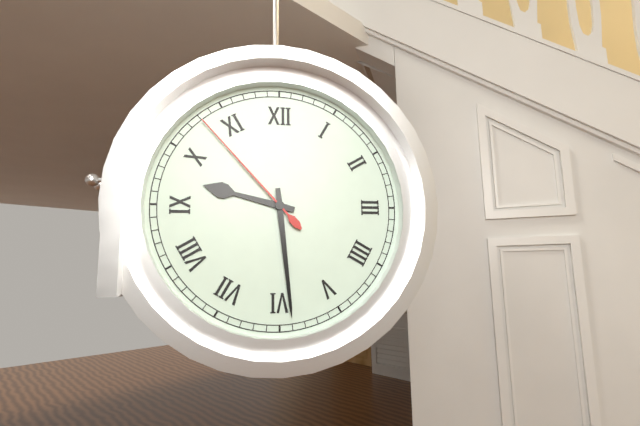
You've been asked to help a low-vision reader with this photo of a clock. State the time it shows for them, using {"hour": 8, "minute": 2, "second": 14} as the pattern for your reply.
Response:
{"hour": 9, "minute": 29, "second": 53}
